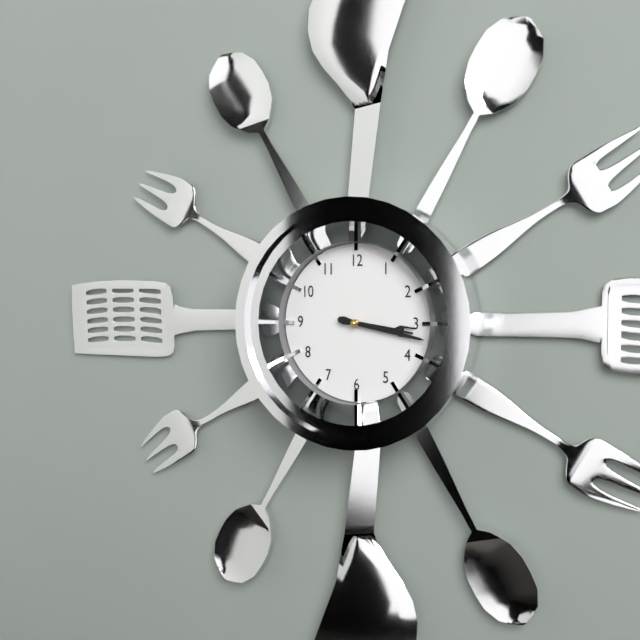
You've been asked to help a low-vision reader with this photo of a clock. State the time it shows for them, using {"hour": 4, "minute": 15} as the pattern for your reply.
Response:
{"hour": 3, "minute": 17}
